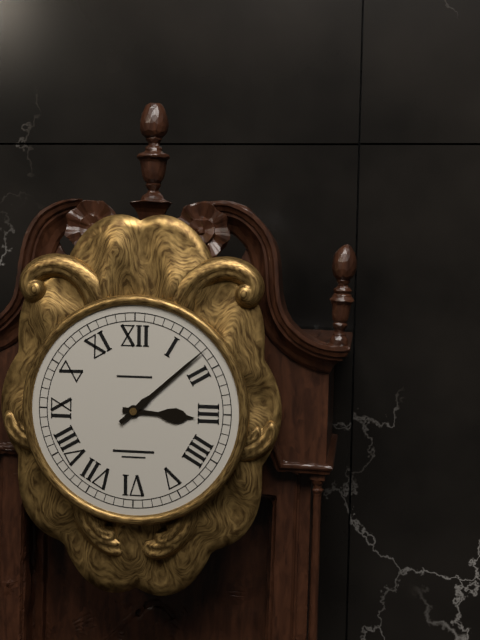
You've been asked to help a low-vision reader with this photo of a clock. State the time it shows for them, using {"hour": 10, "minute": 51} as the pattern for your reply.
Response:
{"hour": 3, "minute": 8}
